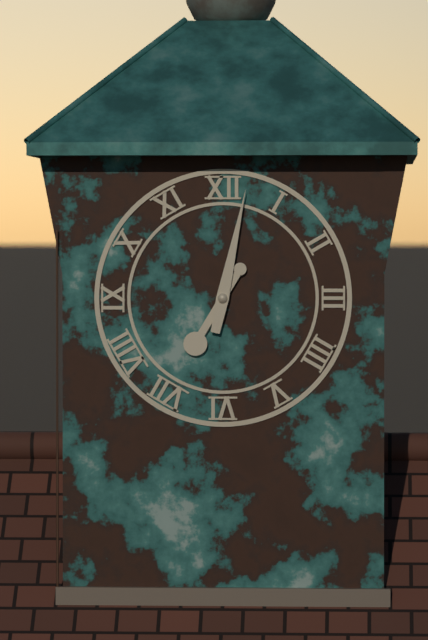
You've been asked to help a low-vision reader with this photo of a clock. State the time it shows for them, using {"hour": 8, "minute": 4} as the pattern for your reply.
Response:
{"hour": 7, "minute": 2}
